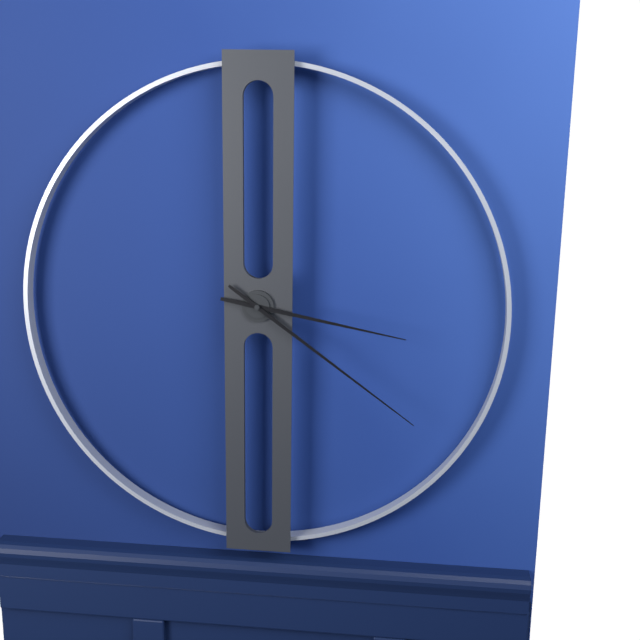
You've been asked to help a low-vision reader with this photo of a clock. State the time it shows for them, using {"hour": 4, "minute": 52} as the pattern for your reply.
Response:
{"hour": 3, "minute": 21}
